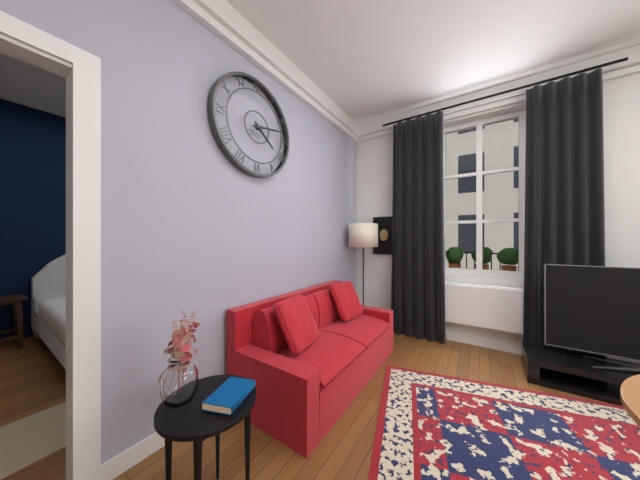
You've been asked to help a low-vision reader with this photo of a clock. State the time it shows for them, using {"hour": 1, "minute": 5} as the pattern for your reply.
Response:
{"hour": 4, "minute": 13}
